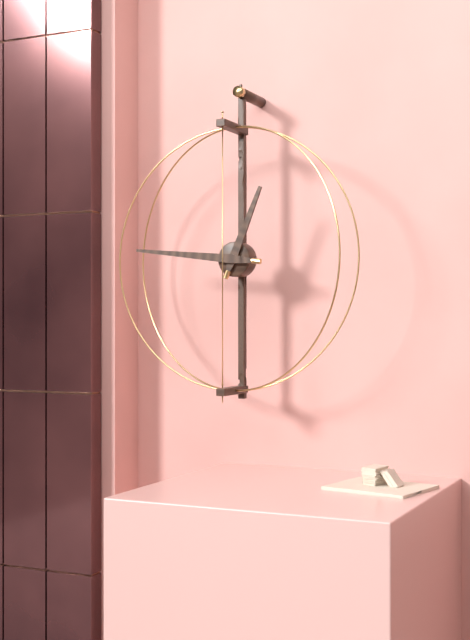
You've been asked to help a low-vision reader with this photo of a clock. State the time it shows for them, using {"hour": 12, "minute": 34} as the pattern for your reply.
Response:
{"hour": 12, "minute": 46}
